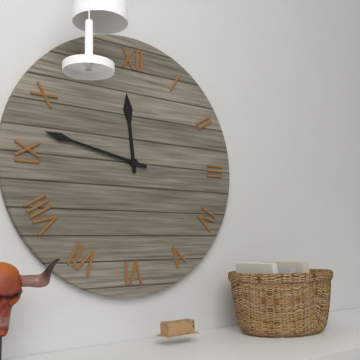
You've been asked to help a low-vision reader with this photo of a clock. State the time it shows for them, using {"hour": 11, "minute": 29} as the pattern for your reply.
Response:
{"hour": 11, "minute": 47}
